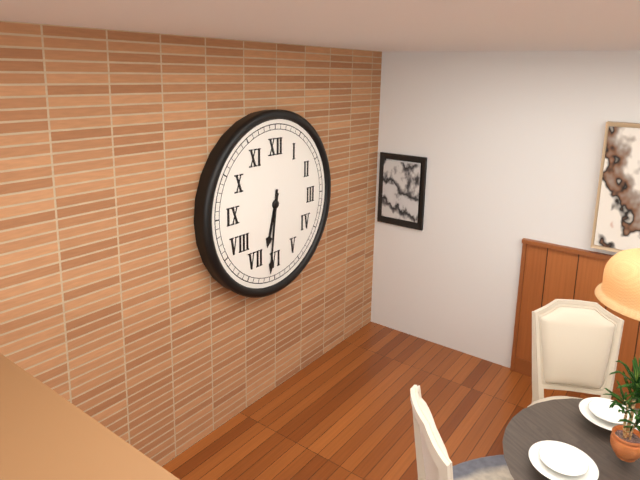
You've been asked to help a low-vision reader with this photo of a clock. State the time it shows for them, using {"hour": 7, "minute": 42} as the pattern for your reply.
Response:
{"hour": 6, "minute": 31}
